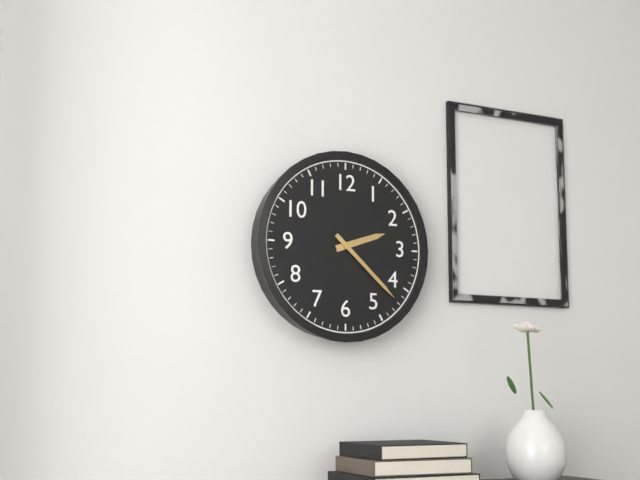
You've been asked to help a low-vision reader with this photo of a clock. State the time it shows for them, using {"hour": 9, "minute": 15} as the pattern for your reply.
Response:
{"hour": 2, "minute": 22}
